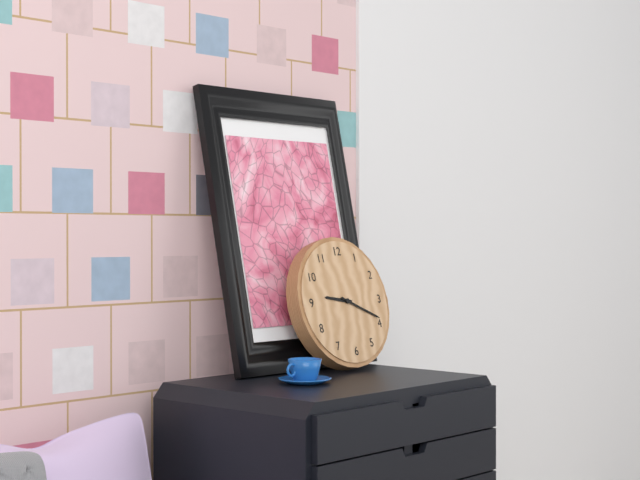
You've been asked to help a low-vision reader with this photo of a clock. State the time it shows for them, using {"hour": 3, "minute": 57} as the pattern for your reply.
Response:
{"hour": 9, "minute": 19}
